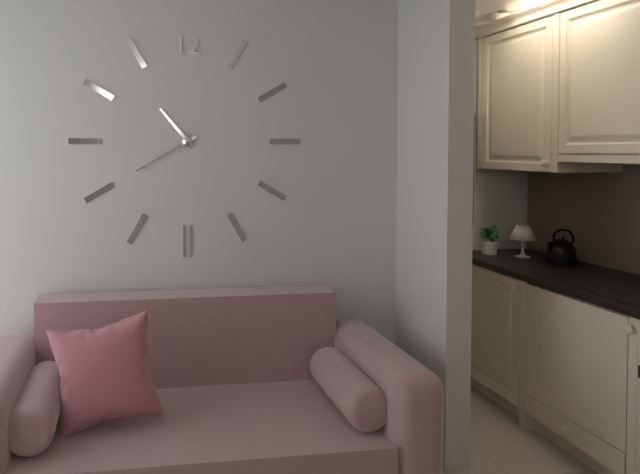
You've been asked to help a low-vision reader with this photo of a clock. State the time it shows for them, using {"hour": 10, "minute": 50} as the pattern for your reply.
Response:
{"hour": 10, "minute": 40}
